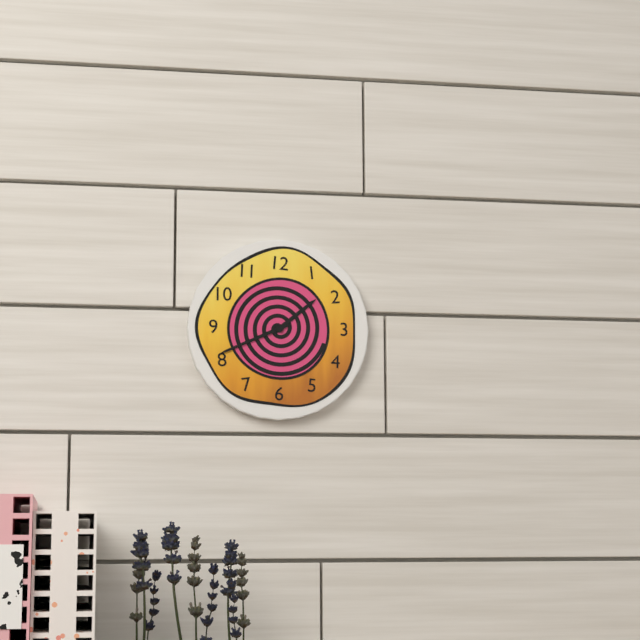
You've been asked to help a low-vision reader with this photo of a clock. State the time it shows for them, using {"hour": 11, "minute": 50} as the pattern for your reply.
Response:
{"hour": 1, "minute": 41}
